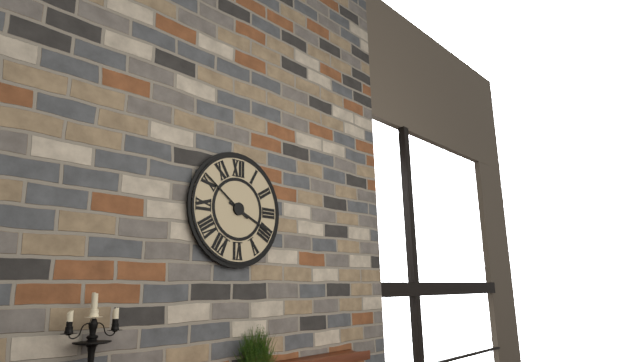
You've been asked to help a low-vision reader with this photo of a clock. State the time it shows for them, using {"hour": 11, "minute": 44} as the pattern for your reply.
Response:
{"hour": 3, "minute": 51}
